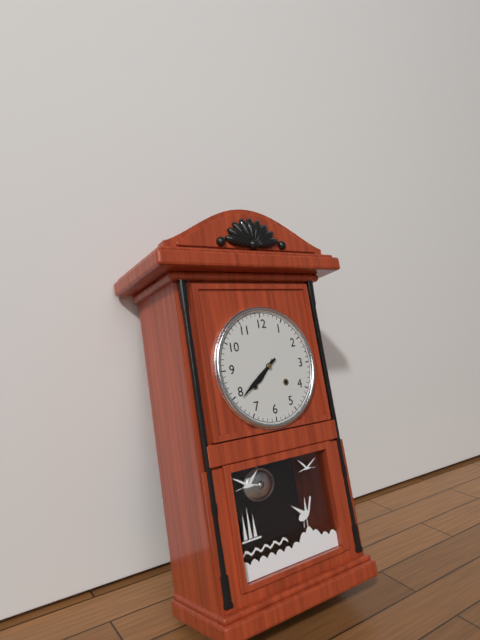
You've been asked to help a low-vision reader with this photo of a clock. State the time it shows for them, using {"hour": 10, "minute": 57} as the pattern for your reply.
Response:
{"hour": 7, "minute": 39}
